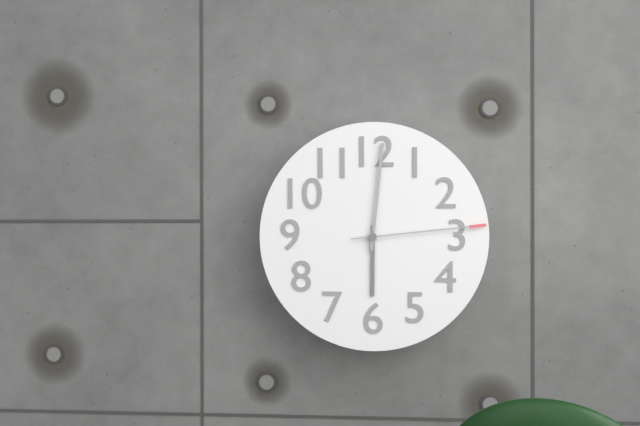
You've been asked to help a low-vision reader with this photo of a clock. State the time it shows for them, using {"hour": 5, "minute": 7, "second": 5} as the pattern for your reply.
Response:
{"hour": 6, "minute": 1, "second": 14}
